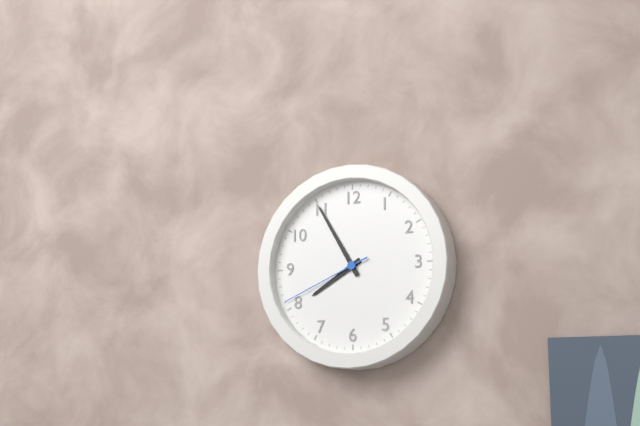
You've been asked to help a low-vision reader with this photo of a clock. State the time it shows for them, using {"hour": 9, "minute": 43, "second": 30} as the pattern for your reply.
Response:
{"hour": 7, "minute": 55, "second": 41}
